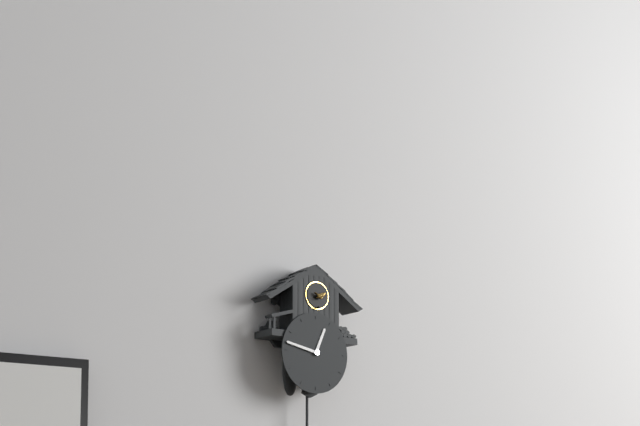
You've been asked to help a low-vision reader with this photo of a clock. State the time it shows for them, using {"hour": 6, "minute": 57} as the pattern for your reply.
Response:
{"hour": 12, "minute": 47}
